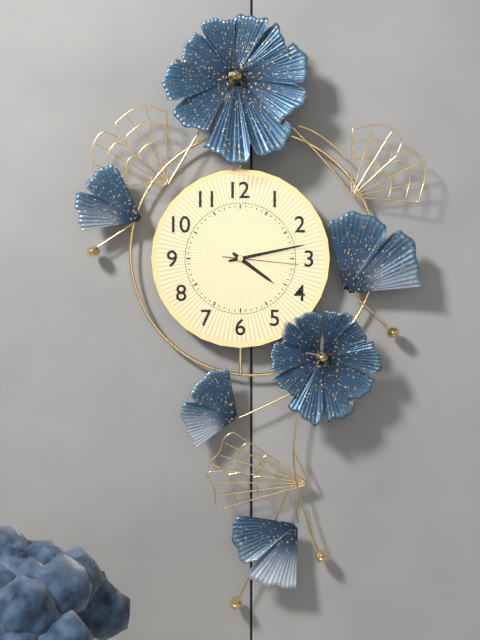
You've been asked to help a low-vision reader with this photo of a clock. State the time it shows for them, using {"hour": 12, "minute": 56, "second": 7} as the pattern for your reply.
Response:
{"hour": 4, "minute": 13, "second": 16}
